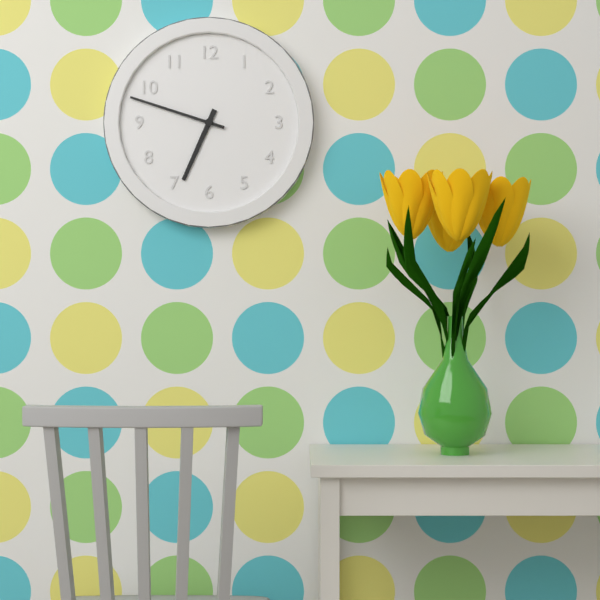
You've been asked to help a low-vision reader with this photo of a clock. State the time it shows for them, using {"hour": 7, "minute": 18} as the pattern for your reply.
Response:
{"hour": 6, "minute": 48}
